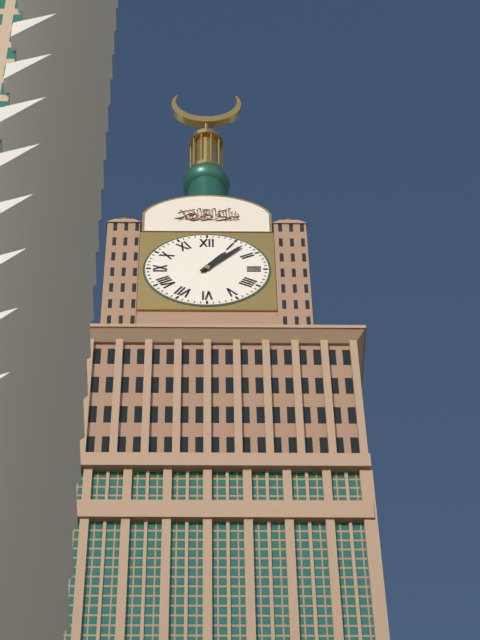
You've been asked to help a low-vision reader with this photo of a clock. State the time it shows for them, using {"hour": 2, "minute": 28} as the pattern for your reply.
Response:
{"hour": 1, "minute": 7}
